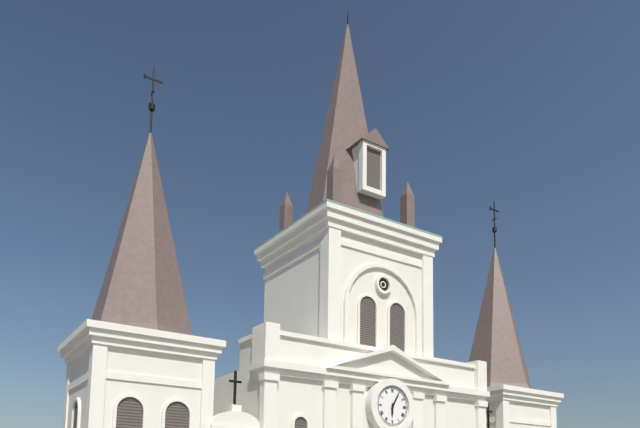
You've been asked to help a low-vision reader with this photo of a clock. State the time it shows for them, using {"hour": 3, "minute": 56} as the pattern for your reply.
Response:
{"hour": 6, "minute": 5}
